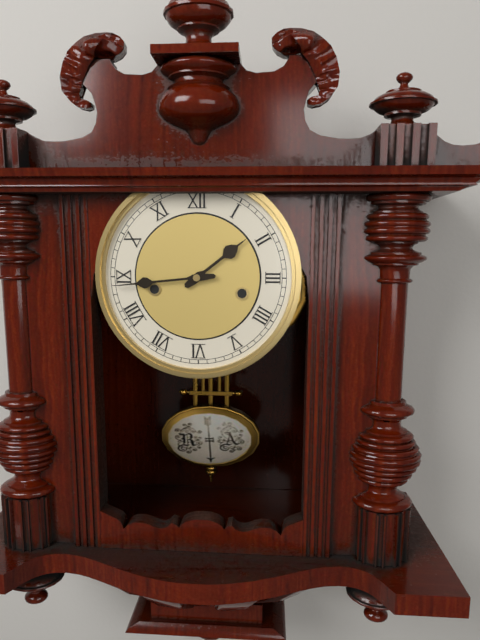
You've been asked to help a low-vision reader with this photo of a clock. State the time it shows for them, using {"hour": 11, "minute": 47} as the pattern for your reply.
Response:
{"hour": 1, "minute": 44}
